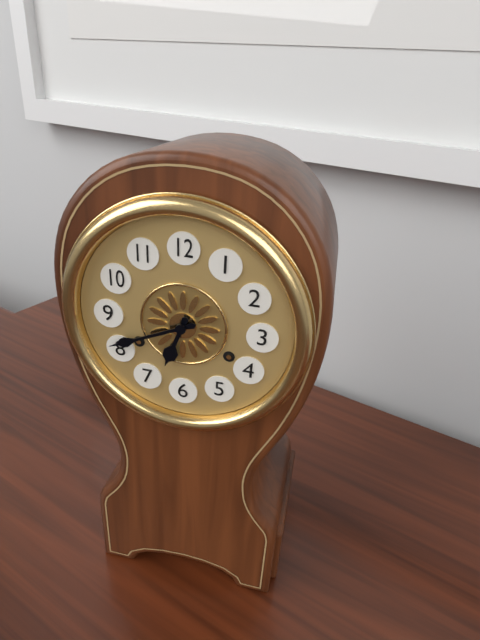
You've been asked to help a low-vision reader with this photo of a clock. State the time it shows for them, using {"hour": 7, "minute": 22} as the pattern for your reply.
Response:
{"hour": 6, "minute": 41}
